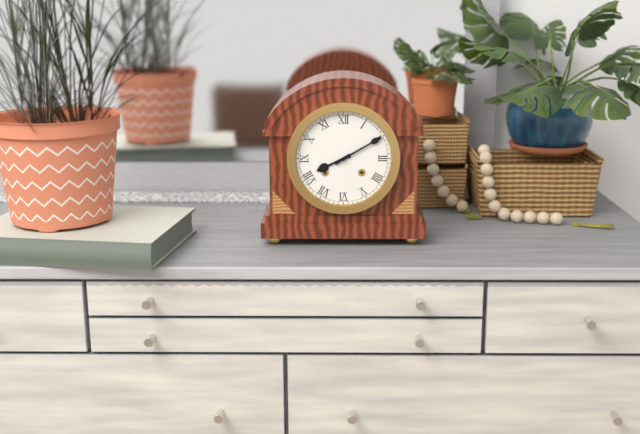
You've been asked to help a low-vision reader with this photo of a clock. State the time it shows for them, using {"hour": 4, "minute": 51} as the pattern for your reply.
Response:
{"hour": 8, "minute": 10}
